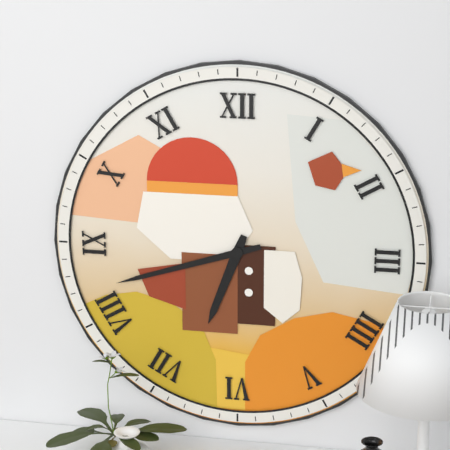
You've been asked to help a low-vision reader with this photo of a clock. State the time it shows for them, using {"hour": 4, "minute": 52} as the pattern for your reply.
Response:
{"hour": 6, "minute": 42}
